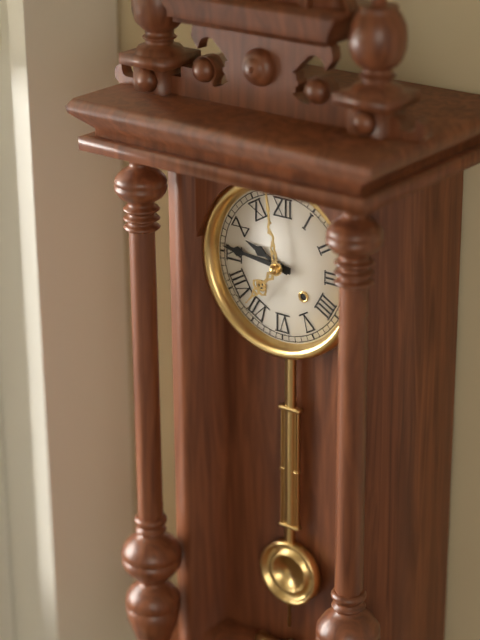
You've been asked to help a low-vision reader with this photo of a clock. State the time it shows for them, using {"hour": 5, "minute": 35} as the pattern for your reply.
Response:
{"hour": 9, "minute": 46}
